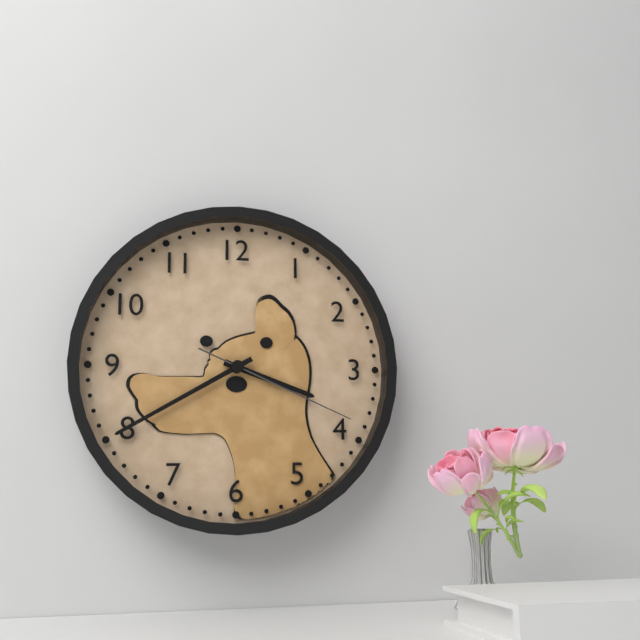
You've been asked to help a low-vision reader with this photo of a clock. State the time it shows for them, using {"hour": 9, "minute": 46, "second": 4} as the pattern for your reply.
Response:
{"hour": 3, "minute": 40, "second": 19}
